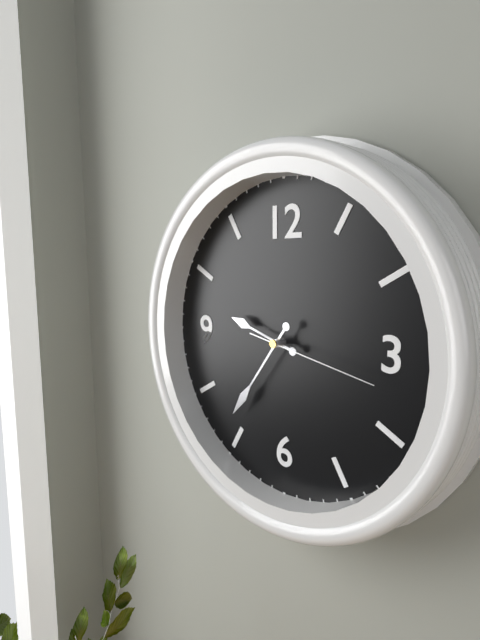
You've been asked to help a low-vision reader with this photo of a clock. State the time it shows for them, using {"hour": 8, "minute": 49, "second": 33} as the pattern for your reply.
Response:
{"hour": 9, "minute": 36, "second": 17}
